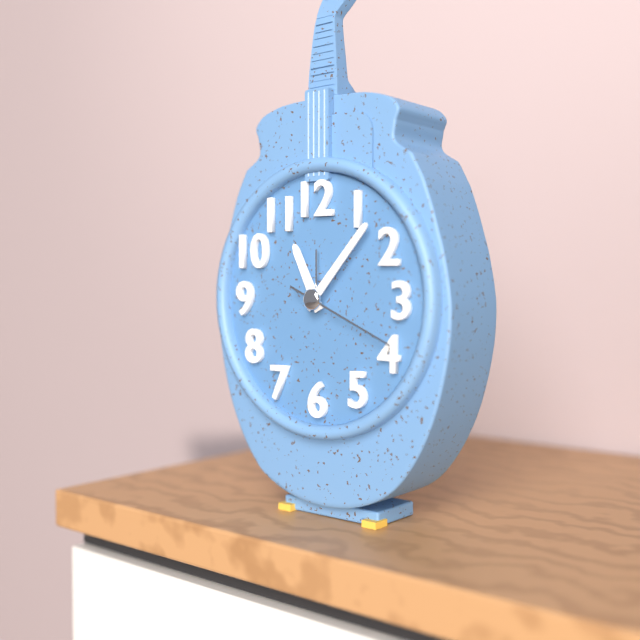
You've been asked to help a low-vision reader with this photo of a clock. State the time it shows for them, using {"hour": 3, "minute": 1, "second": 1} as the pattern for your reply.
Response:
{"hour": 11, "minute": 7, "second": 19}
